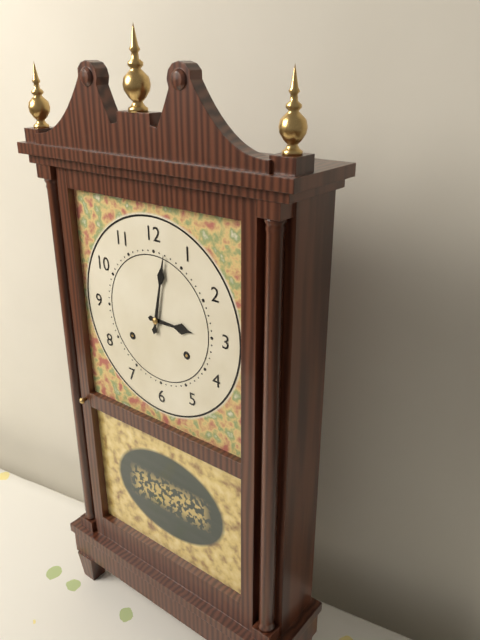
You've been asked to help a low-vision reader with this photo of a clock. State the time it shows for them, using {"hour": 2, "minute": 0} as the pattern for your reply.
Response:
{"hour": 3, "minute": 2}
